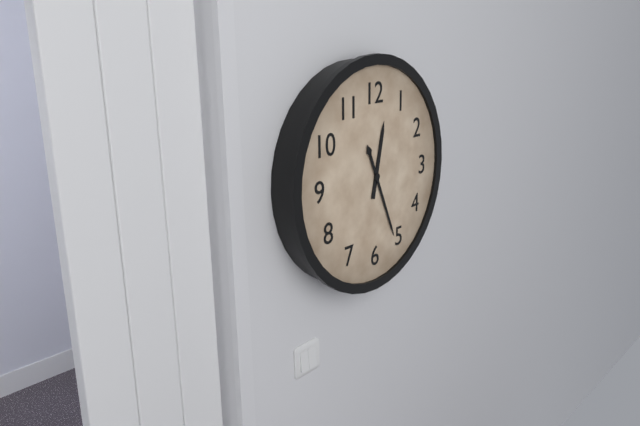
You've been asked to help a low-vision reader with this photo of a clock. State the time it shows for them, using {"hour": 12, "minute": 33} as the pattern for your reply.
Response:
{"hour": 12, "minute": 26}
